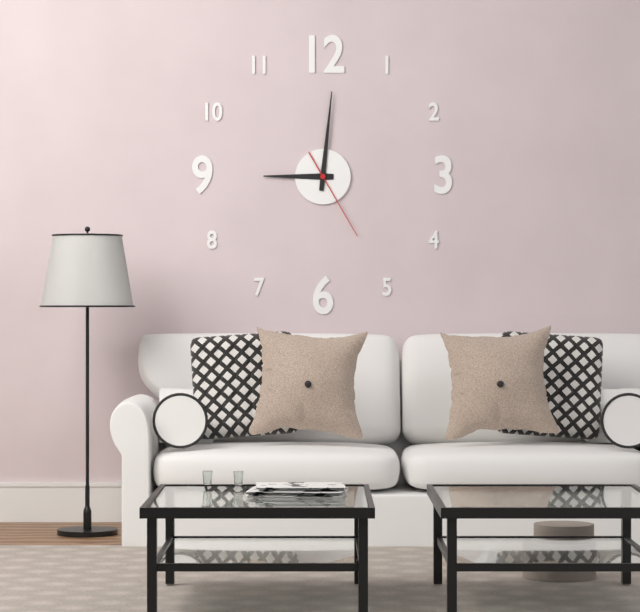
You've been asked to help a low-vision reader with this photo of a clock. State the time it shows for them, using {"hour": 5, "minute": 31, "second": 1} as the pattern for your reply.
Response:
{"hour": 9, "minute": 1, "second": 25}
